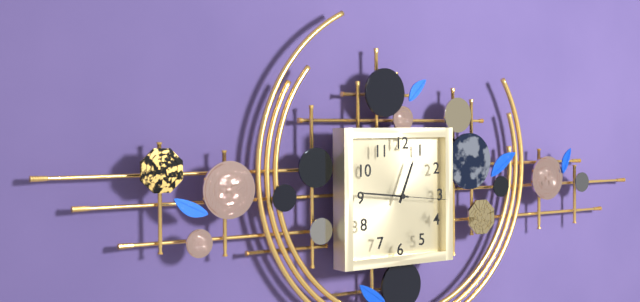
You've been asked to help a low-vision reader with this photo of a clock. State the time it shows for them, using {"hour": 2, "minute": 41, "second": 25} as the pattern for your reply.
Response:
{"hour": 12, "minute": 46, "second": 16}
